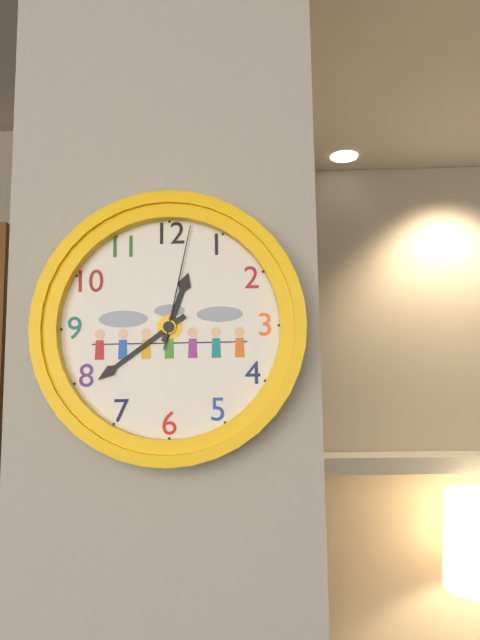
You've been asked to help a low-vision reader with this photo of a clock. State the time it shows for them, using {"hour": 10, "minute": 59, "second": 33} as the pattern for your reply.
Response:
{"hour": 12, "minute": 39, "second": 2}
